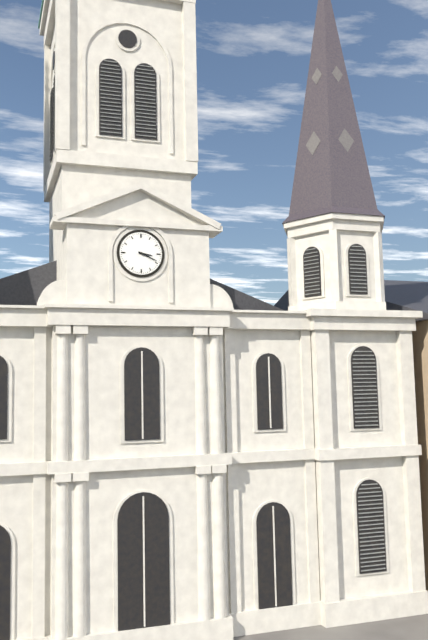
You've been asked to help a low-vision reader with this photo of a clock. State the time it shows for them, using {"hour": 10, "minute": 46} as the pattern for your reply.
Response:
{"hour": 3, "minute": 19}
